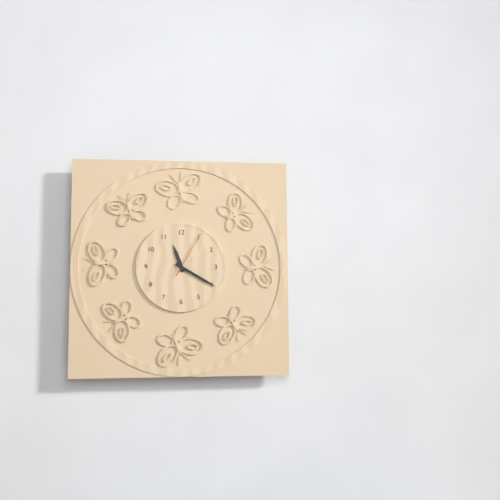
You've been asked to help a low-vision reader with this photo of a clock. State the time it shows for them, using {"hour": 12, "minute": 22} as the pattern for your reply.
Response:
{"hour": 11, "minute": 20}
